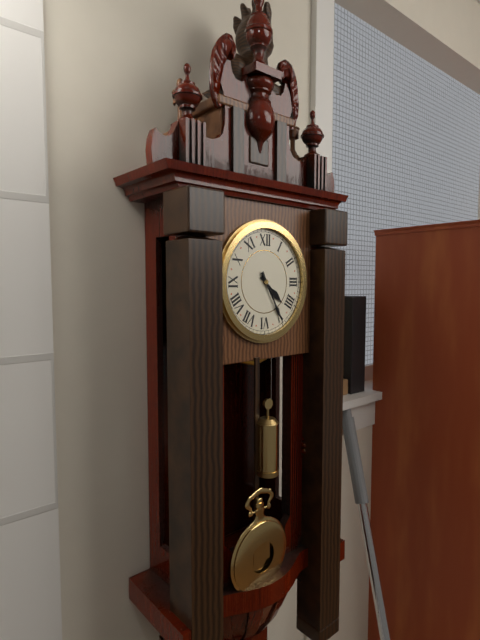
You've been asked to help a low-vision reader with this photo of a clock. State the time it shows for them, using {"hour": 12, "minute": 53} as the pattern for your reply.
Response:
{"hour": 4, "minute": 25}
